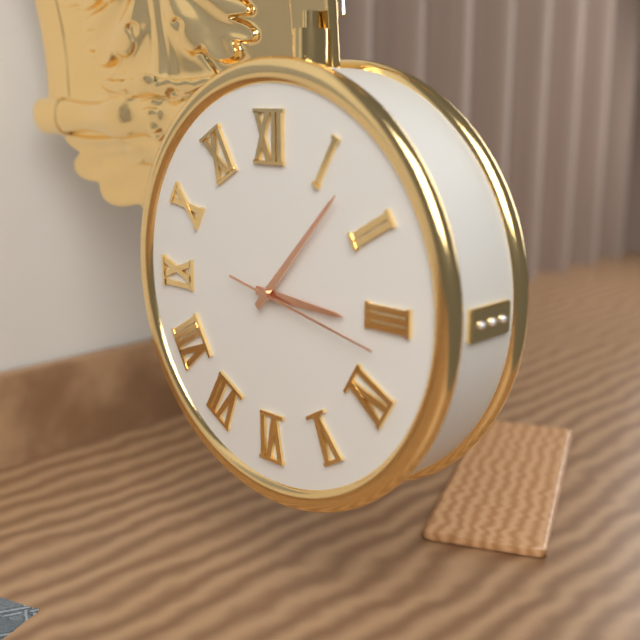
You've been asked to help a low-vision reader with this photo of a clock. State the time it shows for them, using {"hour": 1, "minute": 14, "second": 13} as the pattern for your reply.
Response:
{"hour": 3, "minute": 7, "second": 17}
